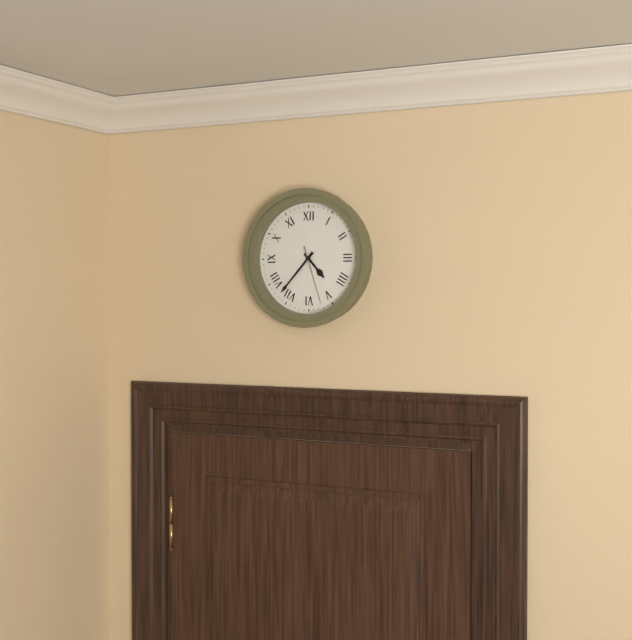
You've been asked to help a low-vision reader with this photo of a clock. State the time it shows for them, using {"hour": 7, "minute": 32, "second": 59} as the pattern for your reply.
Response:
{"hour": 4, "minute": 37, "second": 27}
